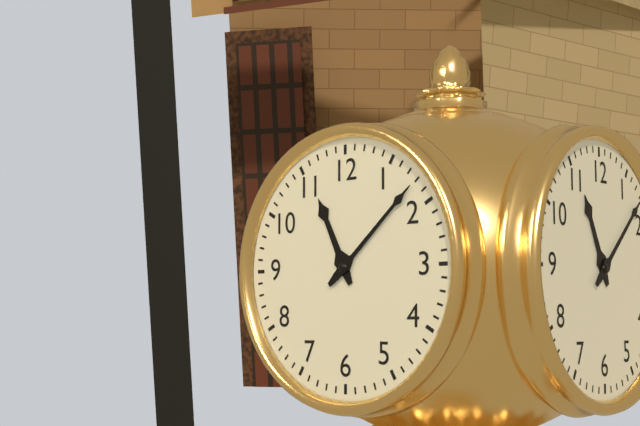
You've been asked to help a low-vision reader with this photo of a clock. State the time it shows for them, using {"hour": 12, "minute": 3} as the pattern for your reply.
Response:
{"hour": 11, "minute": 8}
